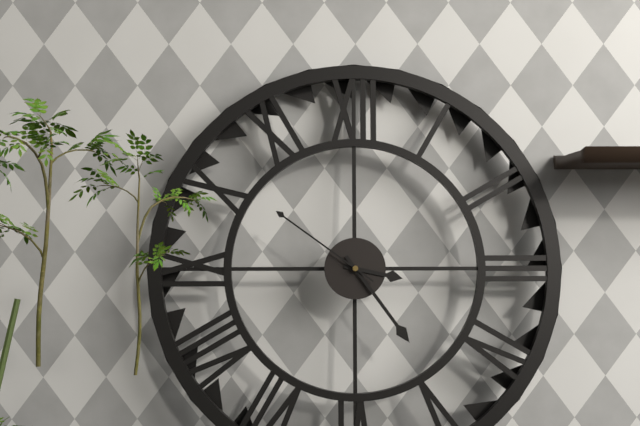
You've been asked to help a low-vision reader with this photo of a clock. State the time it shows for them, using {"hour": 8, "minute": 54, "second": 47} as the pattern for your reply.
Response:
{"hour": 3, "minute": 24, "second": 51}
